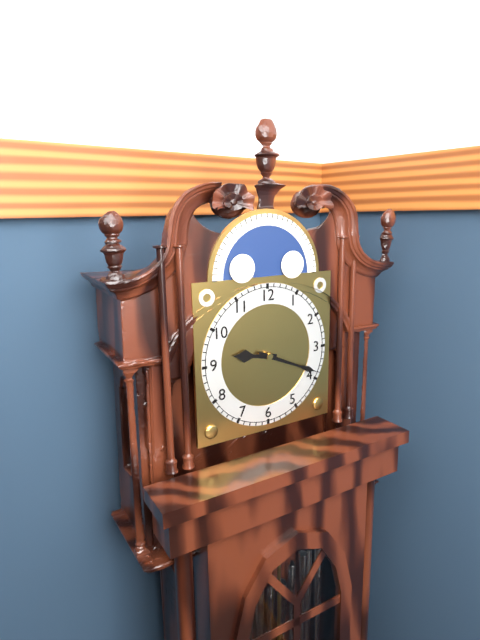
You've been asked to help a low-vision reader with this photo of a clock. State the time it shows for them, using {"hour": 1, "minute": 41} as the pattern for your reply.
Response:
{"hour": 9, "minute": 19}
